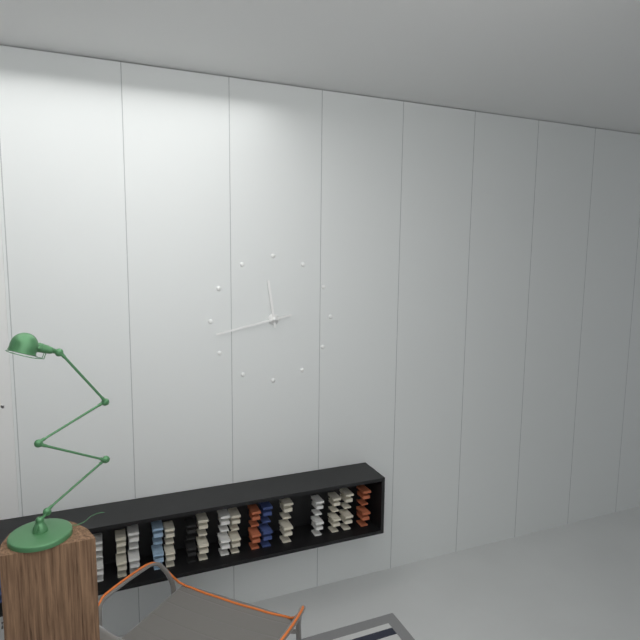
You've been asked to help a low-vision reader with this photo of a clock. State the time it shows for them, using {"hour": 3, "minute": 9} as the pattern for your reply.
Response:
{"hour": 11, "minute": 43}
